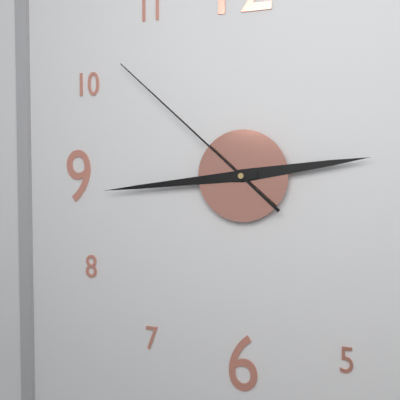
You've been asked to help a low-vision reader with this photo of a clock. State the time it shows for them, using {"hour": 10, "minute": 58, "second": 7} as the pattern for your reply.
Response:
{"hour": 2, "minute": 44, "second": 52}
